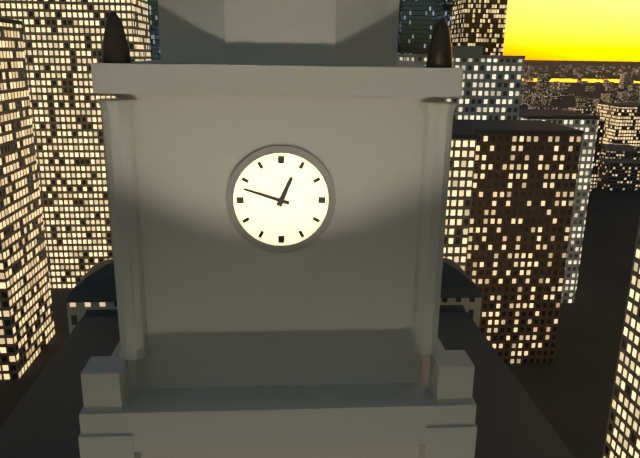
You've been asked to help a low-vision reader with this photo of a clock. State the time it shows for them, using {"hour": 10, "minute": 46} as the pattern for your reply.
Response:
{"hour": 12, "minute": 48}
